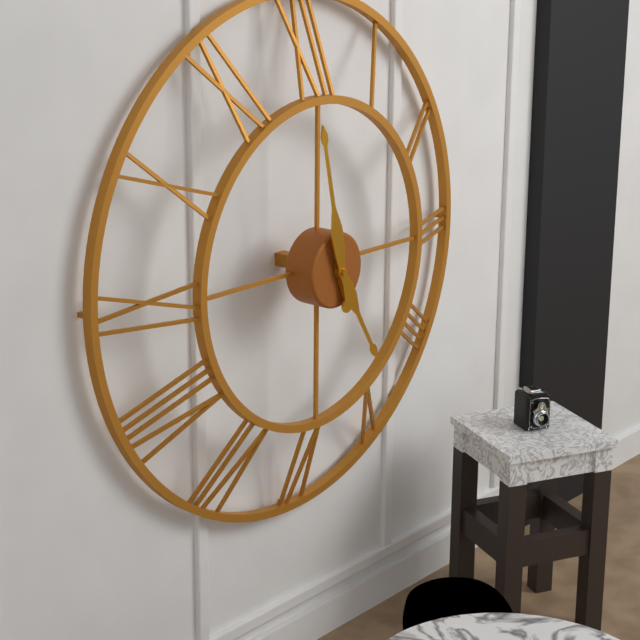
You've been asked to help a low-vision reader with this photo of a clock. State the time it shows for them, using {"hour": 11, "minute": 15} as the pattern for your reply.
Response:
{"hour": 4, "minute": 58}
